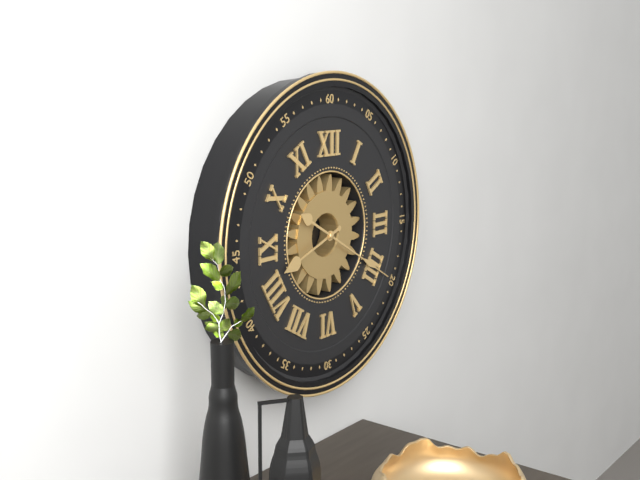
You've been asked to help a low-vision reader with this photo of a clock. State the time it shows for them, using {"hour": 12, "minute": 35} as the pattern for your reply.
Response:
{"hour": 8, "minute": 20}
